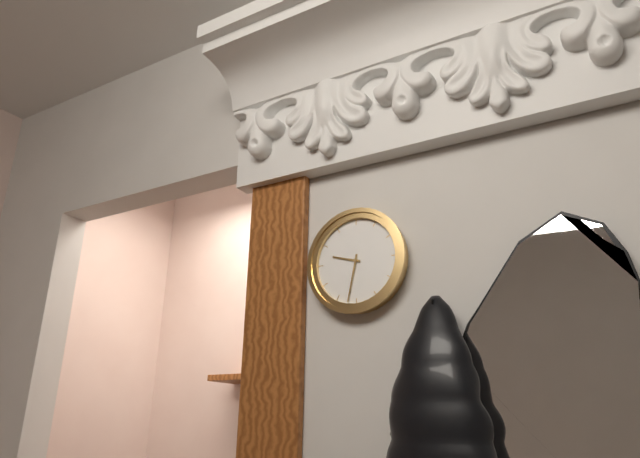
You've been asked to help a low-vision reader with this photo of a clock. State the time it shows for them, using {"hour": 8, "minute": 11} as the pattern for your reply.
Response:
{"hour": 9, "minute": 32}
